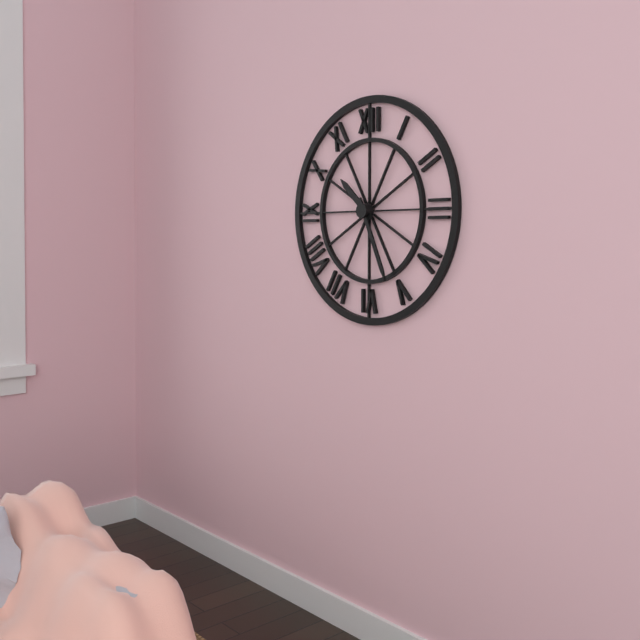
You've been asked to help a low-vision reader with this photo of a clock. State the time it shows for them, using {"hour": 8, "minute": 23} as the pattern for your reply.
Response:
{"hour": 10, "minute": 26}
